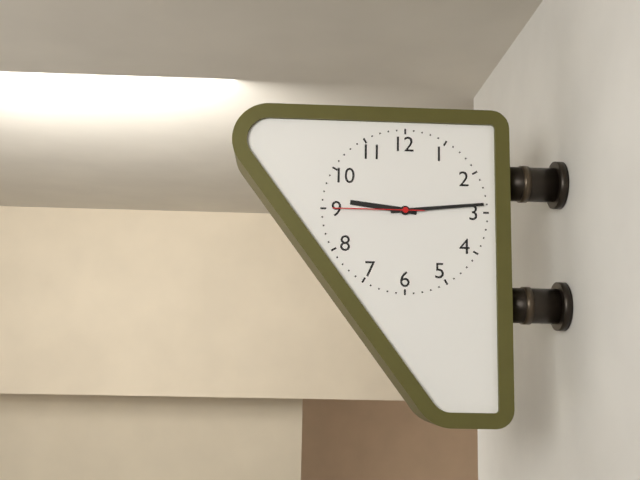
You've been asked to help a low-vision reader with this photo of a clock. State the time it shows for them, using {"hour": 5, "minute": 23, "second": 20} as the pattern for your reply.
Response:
{"hour": 9, "minute": 14, "second": 45}
